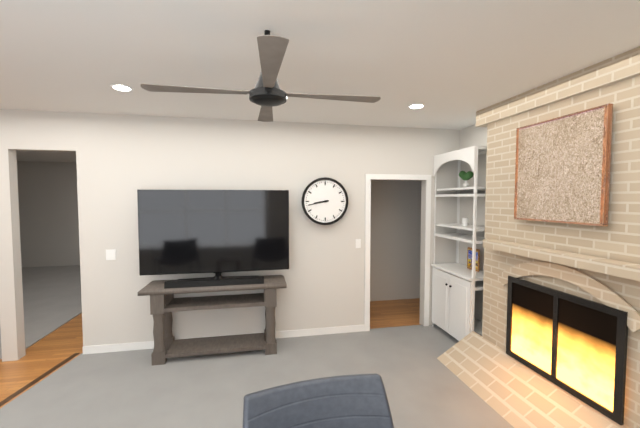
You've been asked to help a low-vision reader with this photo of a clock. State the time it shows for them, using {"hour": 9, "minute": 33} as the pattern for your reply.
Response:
{"hour": 8, "minute": 43}
